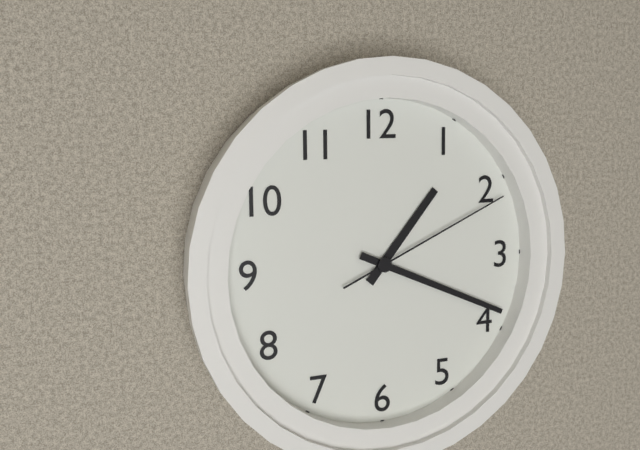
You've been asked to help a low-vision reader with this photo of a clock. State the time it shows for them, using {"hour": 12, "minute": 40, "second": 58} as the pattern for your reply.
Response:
{"hour": 1, "minute": 19, "second": 11}
